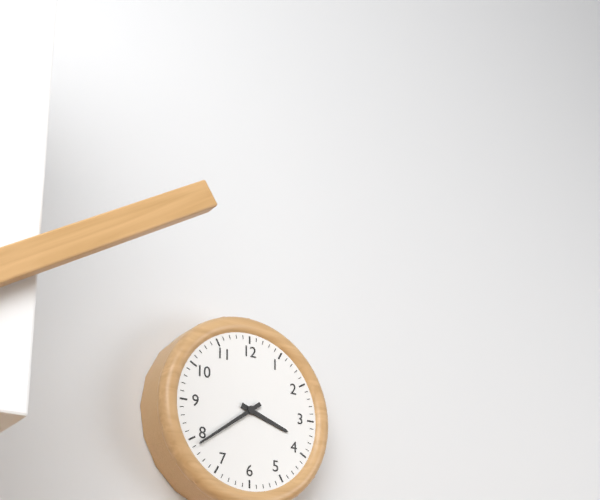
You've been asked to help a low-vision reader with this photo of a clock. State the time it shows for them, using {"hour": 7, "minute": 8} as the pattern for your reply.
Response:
{"hour": 3, "minute": 39}
